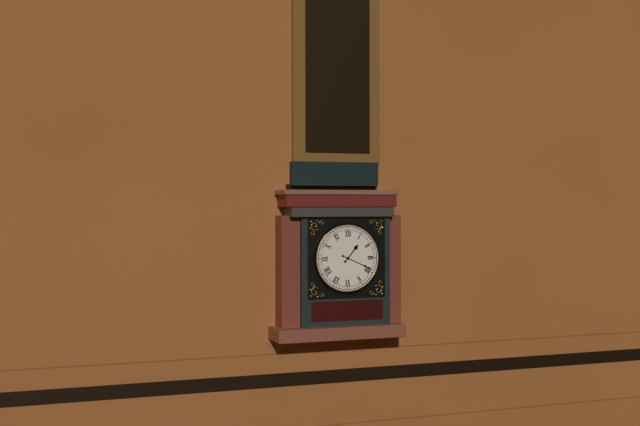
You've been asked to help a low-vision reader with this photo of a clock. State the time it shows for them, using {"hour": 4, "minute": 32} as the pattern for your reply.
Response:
{"hour": 1, "minute": 19}
